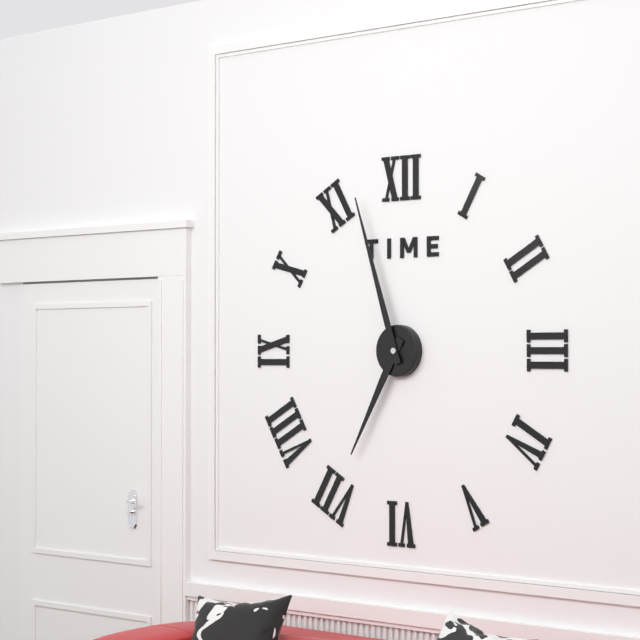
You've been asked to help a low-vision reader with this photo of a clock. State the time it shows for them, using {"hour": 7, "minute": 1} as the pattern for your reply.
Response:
{"hour": 6, "minute": 57}
